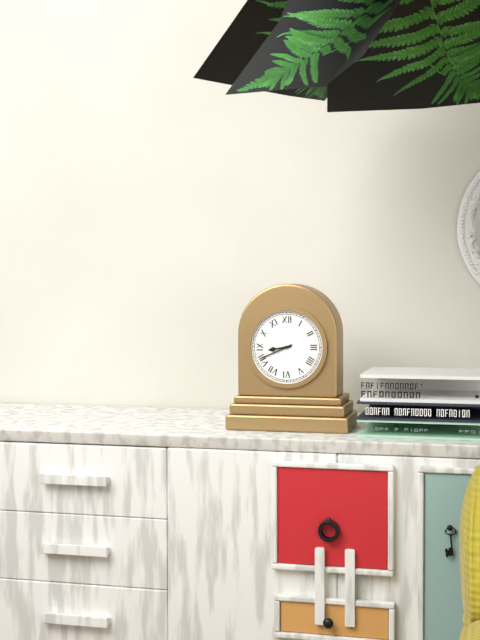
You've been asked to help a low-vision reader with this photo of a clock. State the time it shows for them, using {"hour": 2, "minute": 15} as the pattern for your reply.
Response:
{"hour": 8, "minute": 41}
